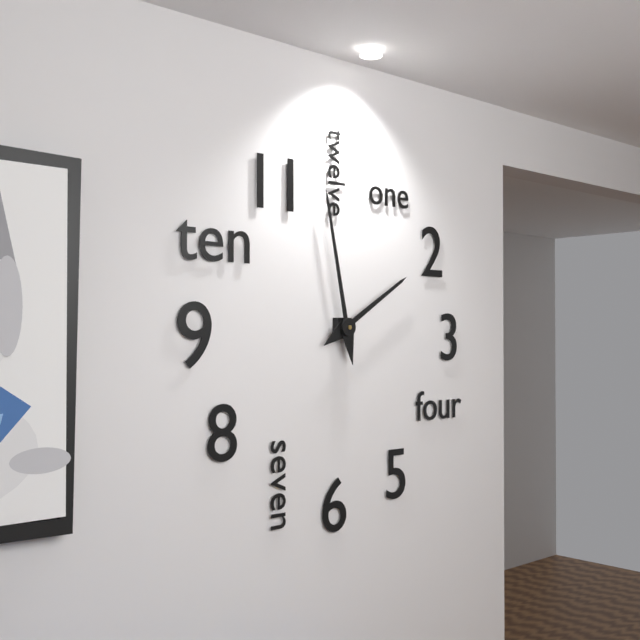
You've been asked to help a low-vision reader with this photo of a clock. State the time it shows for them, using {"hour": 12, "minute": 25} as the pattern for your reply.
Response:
{"hour": 1, "minute": 58}
